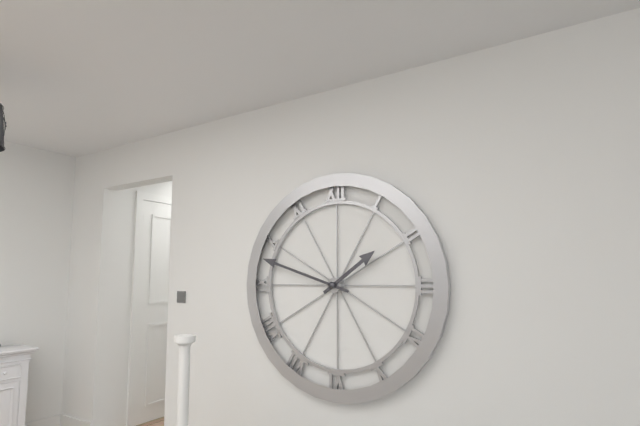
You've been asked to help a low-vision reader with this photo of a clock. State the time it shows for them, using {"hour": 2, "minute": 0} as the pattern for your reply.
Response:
{"hour": 1, "minute": 48}
